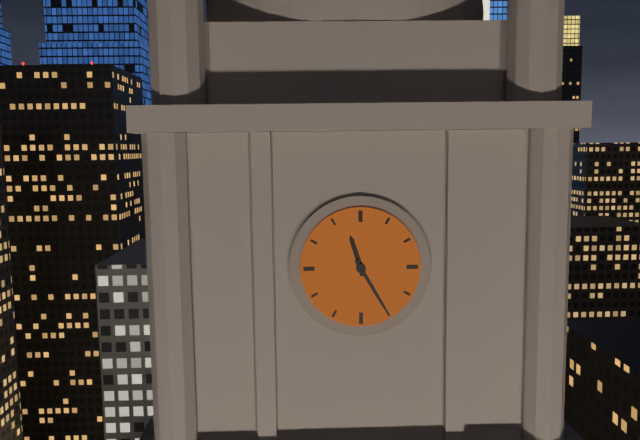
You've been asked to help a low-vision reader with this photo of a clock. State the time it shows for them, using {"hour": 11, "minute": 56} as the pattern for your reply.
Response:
{"hour": 11, "minute": 25}
